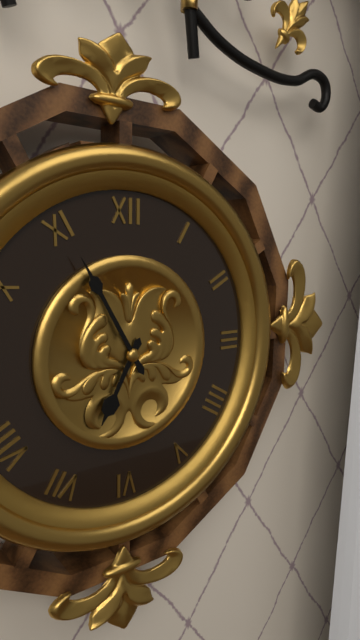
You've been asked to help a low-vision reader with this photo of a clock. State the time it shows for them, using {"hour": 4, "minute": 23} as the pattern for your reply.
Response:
{"hour": 6, "minute": 55}
